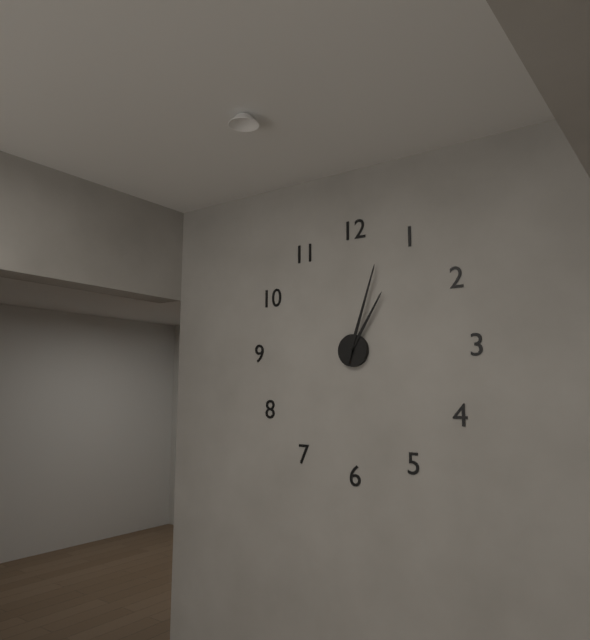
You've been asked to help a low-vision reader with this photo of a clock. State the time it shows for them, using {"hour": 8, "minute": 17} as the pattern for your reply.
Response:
{"hour": 1, "minute": 3}
